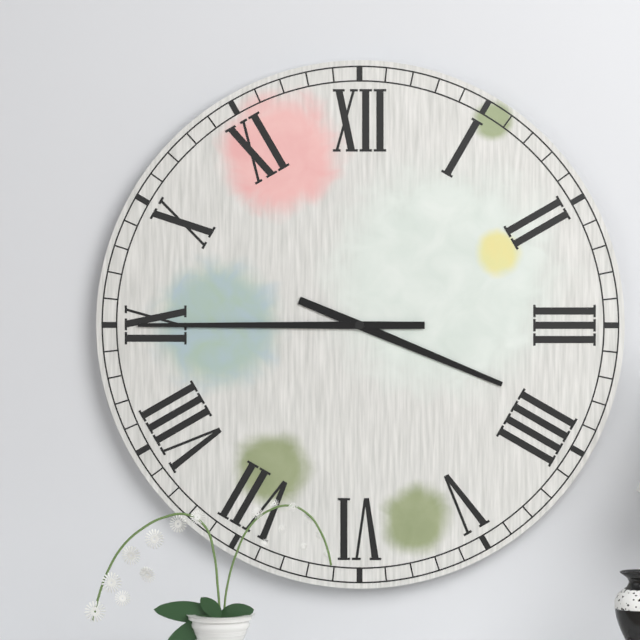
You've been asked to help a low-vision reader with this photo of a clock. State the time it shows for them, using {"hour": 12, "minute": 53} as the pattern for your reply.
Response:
{"hour": 3, "minute": 45}
